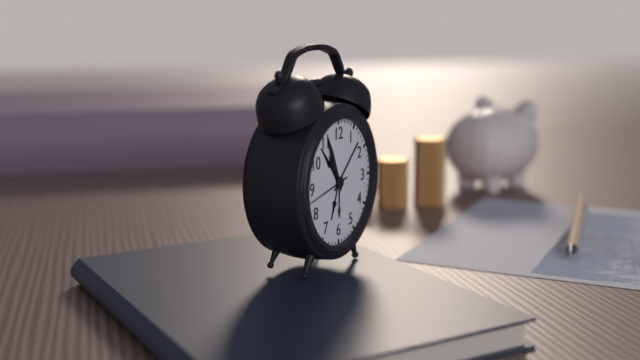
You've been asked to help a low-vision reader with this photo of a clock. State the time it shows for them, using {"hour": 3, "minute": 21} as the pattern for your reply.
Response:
{"hour": 10, "minute": 56}
